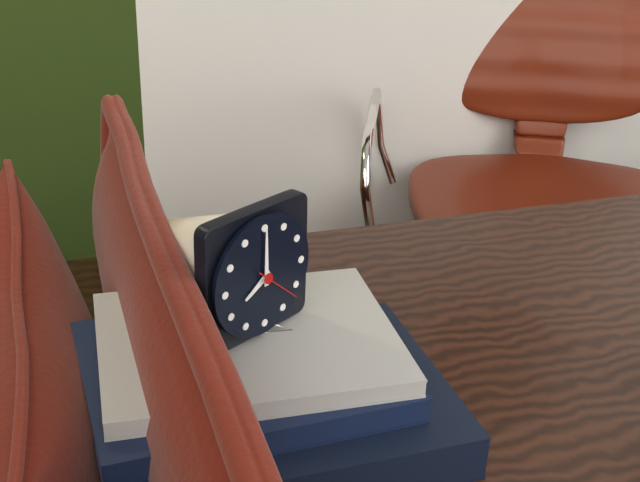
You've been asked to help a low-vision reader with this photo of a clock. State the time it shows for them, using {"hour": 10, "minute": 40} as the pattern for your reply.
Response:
{"hour": 8, "minute": 0}
